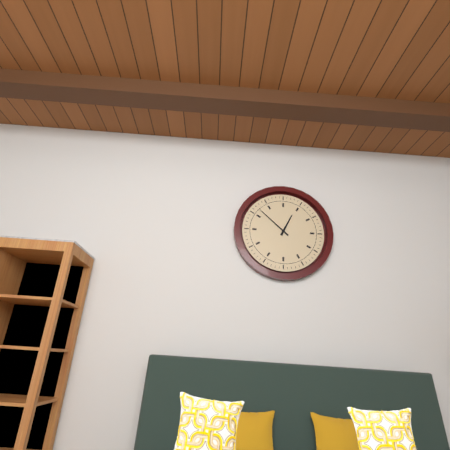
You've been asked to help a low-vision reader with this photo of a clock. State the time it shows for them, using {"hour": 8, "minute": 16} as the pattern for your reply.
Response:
{"hour": 12, "minute": 52}
